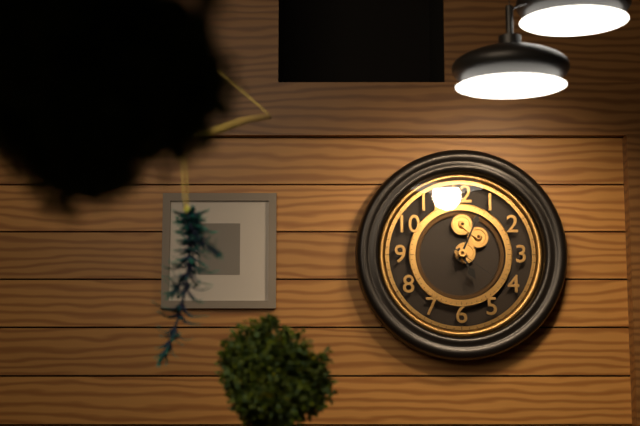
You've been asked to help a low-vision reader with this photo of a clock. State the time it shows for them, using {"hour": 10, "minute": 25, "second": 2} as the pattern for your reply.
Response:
{"hour": 5, "minute": 4, "second": 21}
